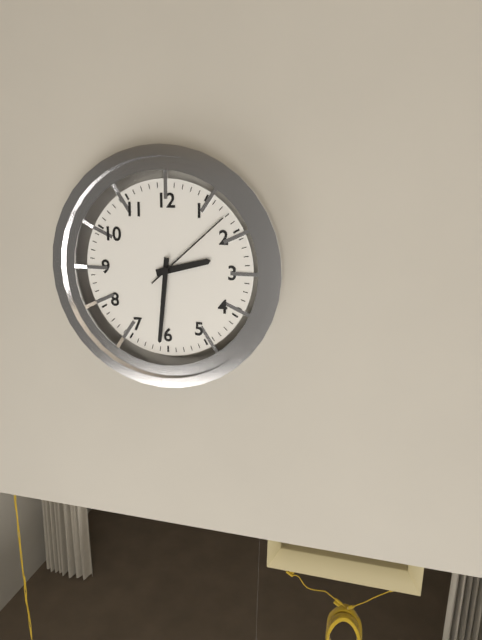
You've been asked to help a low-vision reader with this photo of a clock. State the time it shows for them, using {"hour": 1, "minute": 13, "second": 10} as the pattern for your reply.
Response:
{"hour": 2, "minute": 31, "second": 8}
